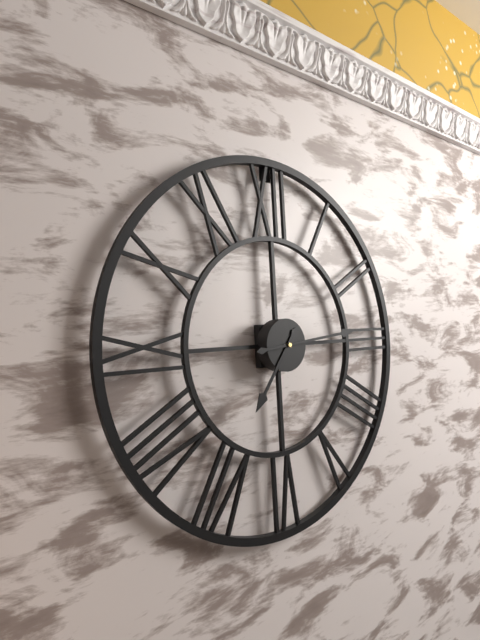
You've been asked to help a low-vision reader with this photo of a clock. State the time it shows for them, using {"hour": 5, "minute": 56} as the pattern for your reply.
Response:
{"hour": 7, "minute": 14}
